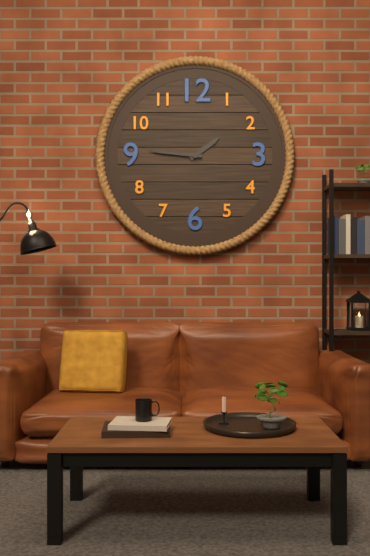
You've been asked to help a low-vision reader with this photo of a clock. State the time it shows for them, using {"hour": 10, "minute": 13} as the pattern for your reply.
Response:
{"hour": 1, "minute": 46}
